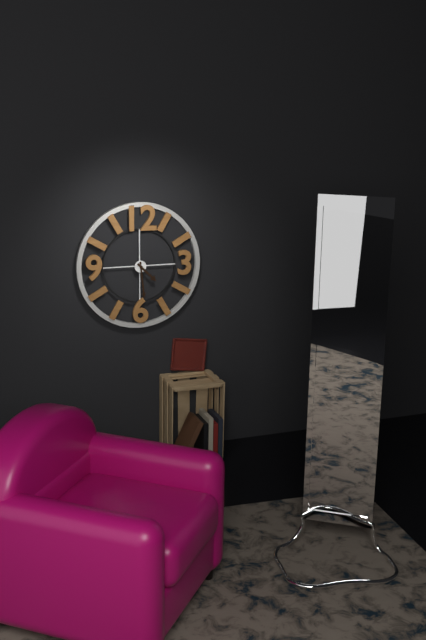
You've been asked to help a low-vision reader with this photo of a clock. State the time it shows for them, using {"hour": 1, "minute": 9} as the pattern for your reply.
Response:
{"hour": 4, "minute": 29}
